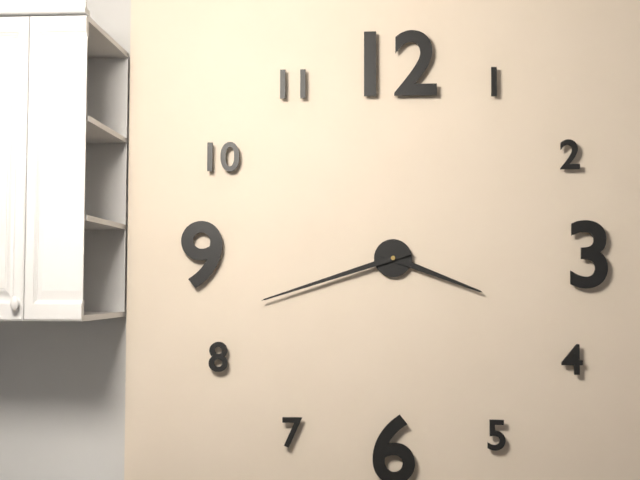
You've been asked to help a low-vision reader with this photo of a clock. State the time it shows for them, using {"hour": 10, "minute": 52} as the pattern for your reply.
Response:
{"hour": 3, "minute": 42}
